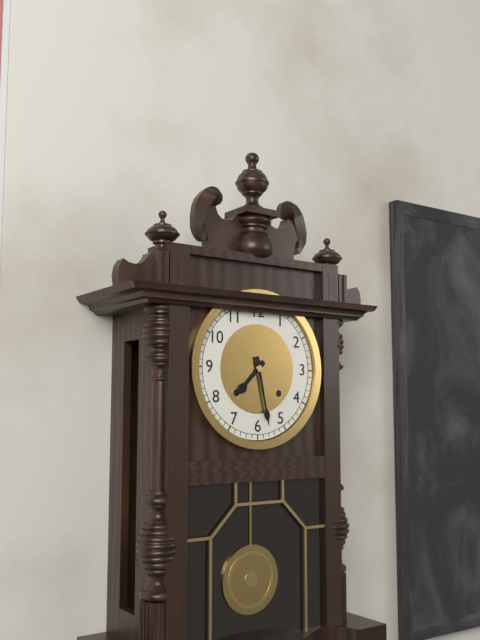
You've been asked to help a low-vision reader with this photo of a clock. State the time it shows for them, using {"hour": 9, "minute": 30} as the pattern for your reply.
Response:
{"hour": 7, "minute": 28}
